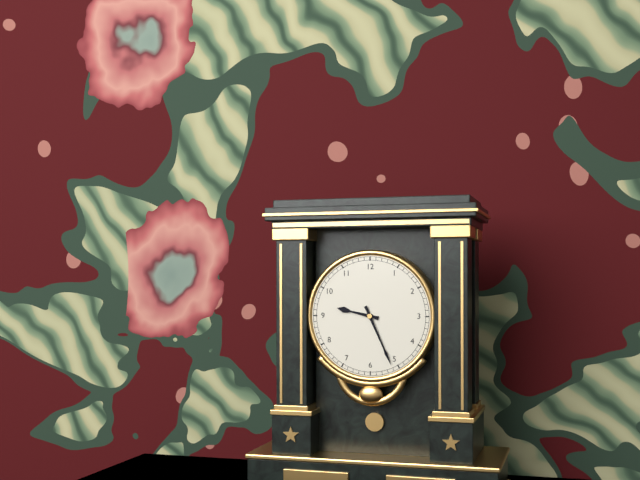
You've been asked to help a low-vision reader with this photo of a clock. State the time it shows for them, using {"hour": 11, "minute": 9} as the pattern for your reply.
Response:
{"hour": 9, "minute": 26}
